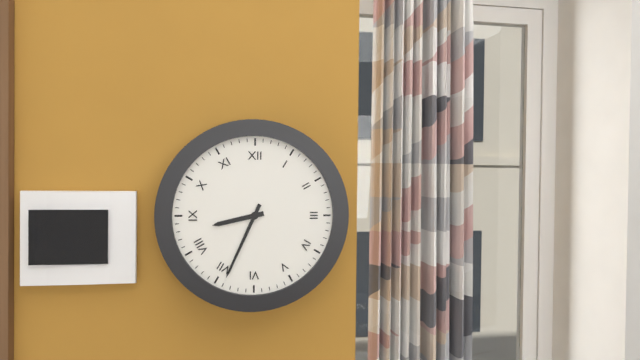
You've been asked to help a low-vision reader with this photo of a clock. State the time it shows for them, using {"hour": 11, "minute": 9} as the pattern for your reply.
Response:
{"hour": 8, "minute": 34}
